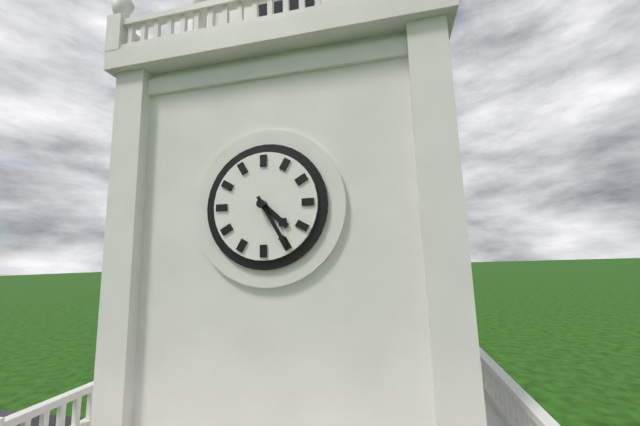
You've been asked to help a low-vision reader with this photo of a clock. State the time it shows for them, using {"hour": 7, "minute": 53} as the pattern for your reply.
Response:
{"hour": 4, "minute": 25}
